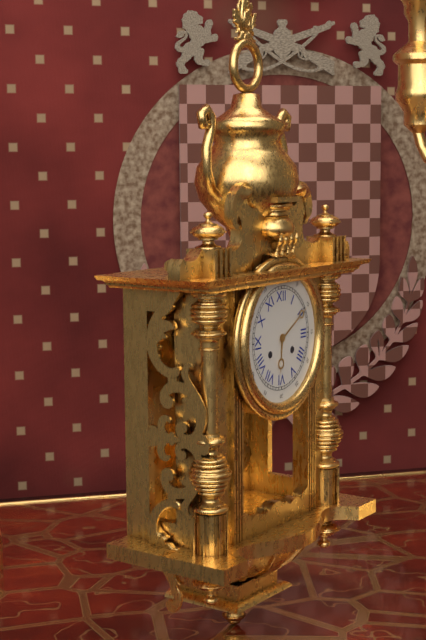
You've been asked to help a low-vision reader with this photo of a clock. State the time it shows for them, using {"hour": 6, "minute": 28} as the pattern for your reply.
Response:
{"hour": 6, "minute": 10}
